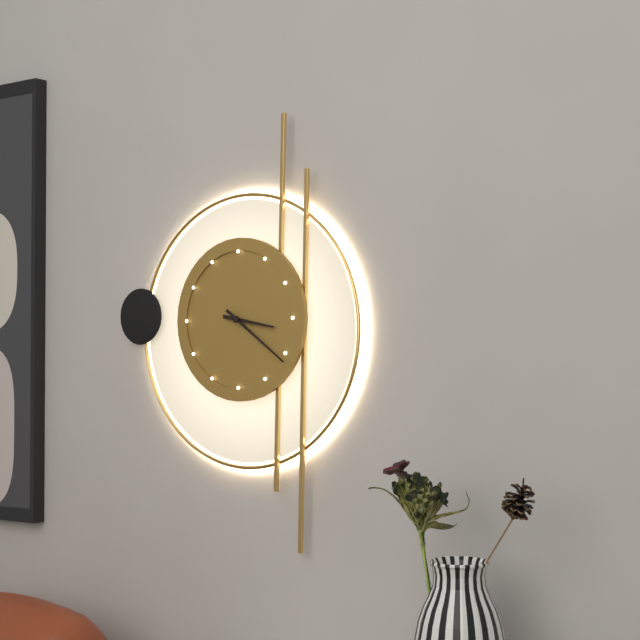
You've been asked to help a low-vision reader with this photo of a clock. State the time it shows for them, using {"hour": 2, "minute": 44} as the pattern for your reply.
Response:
{"hour": 3, "minute": 21}
